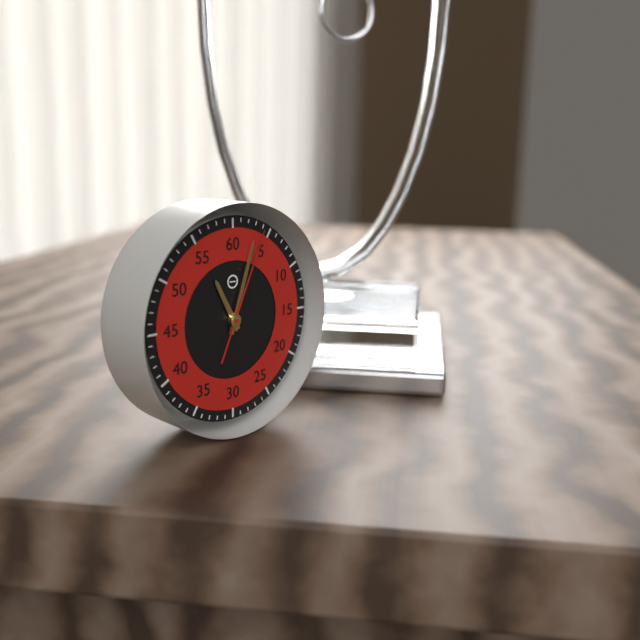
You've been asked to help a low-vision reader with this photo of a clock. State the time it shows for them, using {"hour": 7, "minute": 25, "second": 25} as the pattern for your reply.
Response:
{"hour": 11, "minute": 3, "second": 4}
